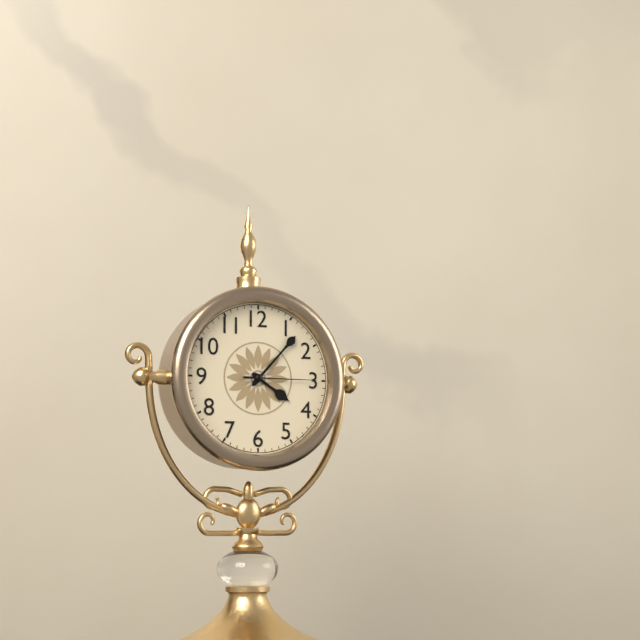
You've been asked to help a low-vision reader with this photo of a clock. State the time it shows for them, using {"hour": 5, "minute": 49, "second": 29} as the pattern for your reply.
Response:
{"hour": 4, "minute": 7, "second": 15}
